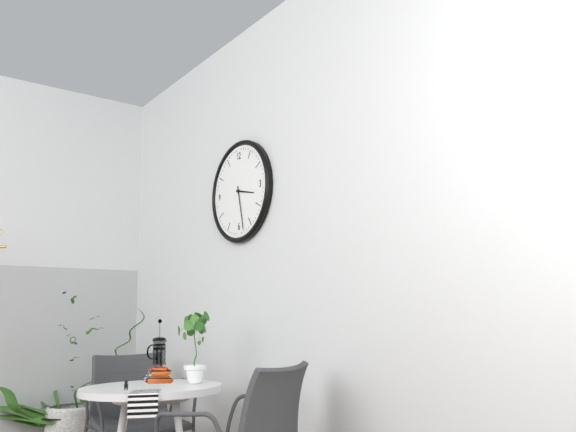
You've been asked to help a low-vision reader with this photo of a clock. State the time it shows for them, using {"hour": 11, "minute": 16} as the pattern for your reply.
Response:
{"hour": 3, "minute": 28}
